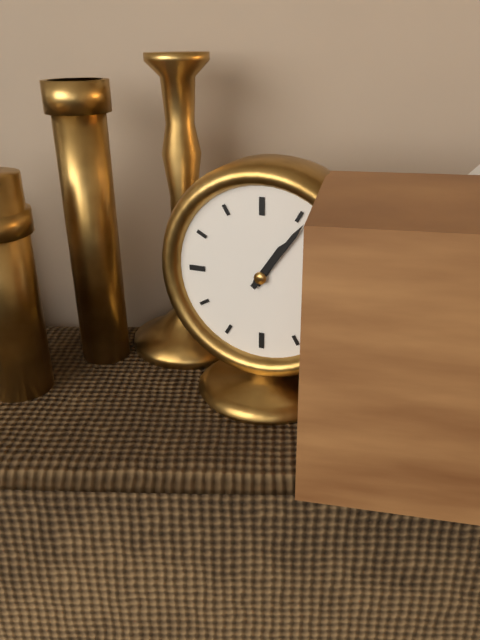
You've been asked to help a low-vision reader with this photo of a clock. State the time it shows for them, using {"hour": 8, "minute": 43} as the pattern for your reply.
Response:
{"hour": 1, "minute": 6}
